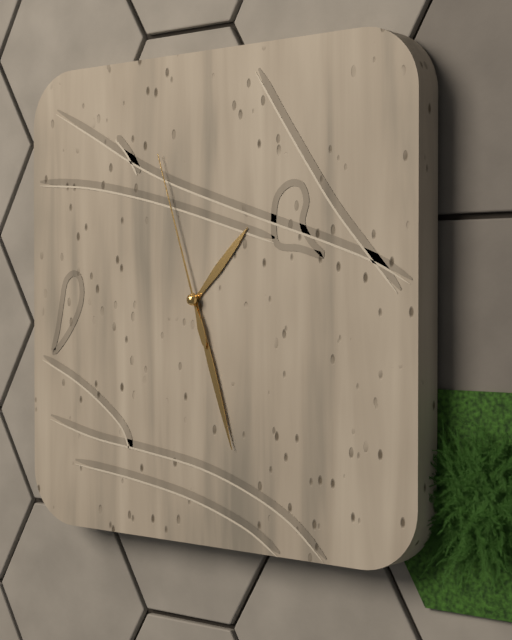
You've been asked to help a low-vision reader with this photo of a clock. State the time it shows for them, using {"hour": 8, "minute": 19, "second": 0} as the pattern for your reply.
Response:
{"hour": 1, "minute": 27, "second": 57}
